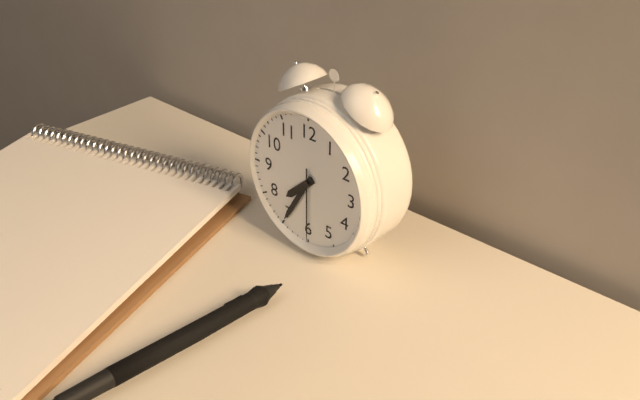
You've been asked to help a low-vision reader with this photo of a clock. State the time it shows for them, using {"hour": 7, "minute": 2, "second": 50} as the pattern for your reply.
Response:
{"hour": 7, "minute": 35, "second": 30}
